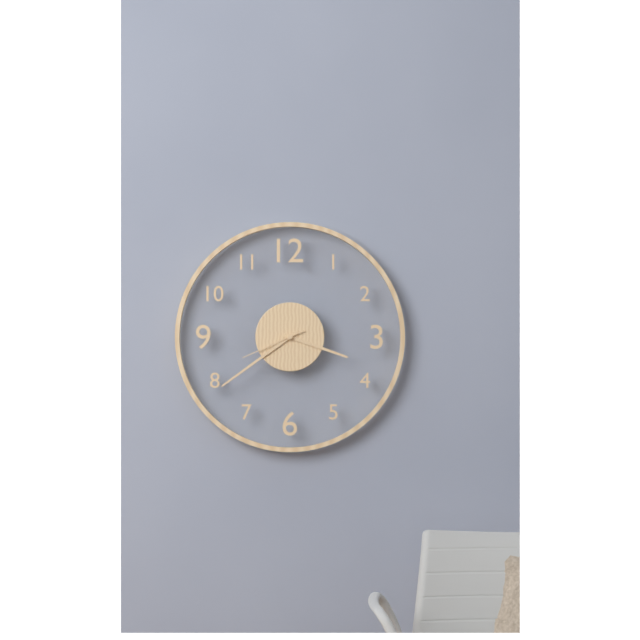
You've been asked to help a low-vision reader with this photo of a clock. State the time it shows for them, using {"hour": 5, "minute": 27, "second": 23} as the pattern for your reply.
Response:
{"hour": 3, "minute": 39, "second": 41}
